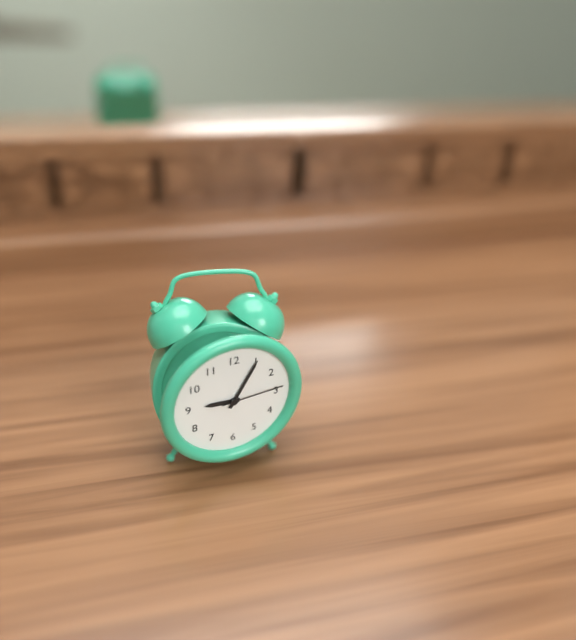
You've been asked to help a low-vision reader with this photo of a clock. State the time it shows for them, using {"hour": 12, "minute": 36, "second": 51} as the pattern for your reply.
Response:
{"hour": 9, "minute": 5, "second": 14}
